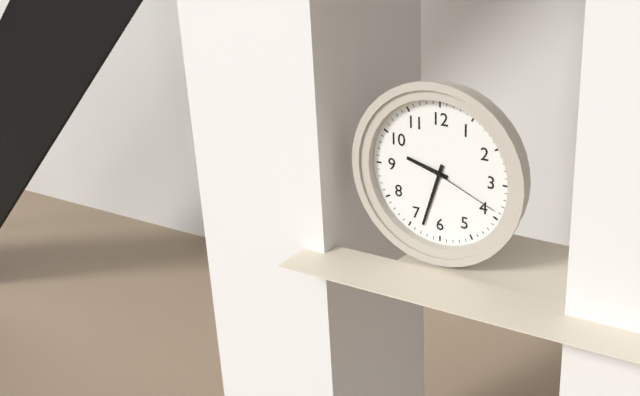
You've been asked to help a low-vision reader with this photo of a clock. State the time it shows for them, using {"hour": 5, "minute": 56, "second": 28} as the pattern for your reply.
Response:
{"hour": 9, "minute": 33, "second": 19}
